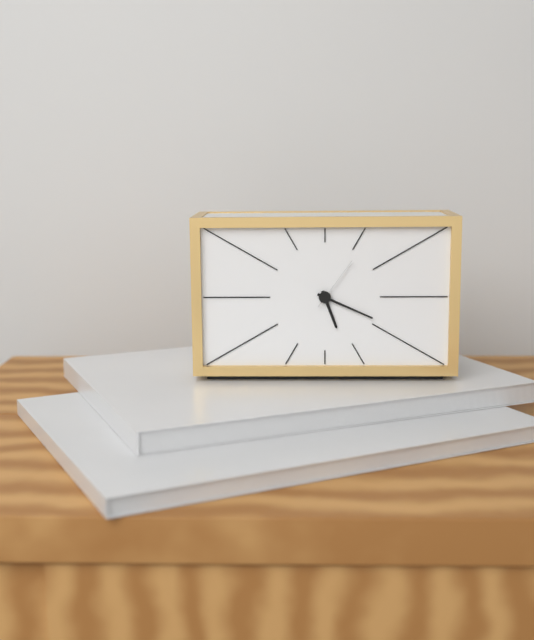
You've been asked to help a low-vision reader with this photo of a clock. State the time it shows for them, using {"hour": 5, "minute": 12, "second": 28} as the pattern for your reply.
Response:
{"hour": 5, "minute": 19, "second": 6}
